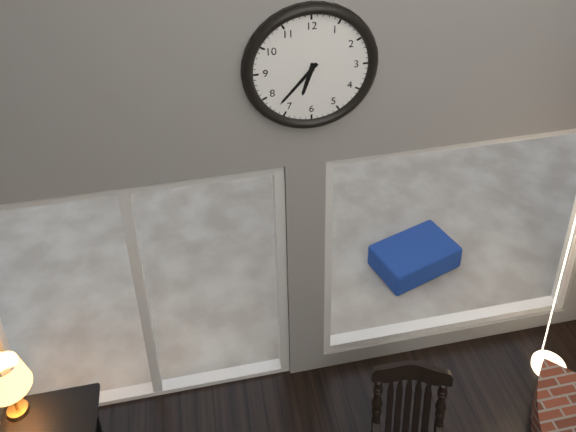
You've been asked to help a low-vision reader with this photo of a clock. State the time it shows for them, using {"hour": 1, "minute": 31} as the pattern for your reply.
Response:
{"hour": 6, "minute": 37}
